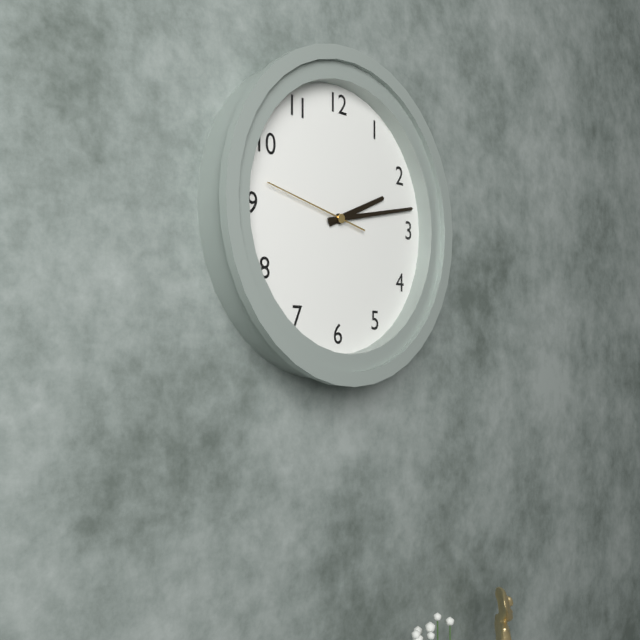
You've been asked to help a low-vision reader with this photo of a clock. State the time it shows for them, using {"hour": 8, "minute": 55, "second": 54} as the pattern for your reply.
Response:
{"hour": 2, "minute": 13, "second": 47}
